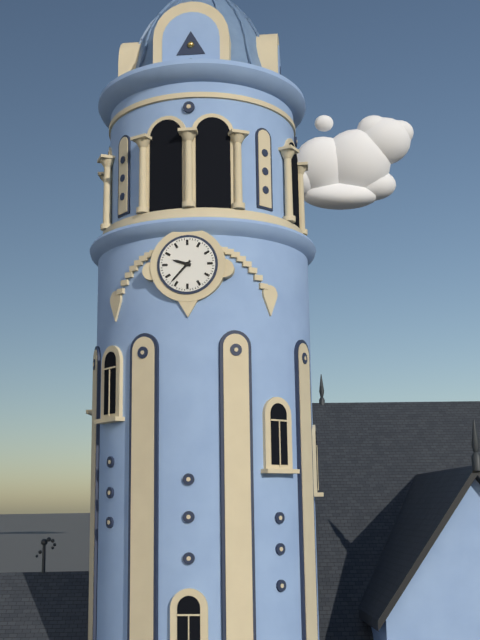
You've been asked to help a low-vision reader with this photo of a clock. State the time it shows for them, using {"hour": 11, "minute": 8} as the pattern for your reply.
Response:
{"hour": 9, "minute": 37}
